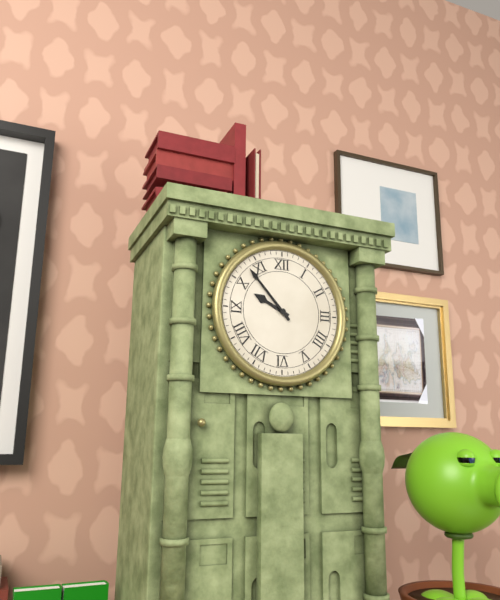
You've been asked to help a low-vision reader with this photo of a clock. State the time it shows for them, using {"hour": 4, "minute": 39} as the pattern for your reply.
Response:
{"hour": 9, "minute": 53}
